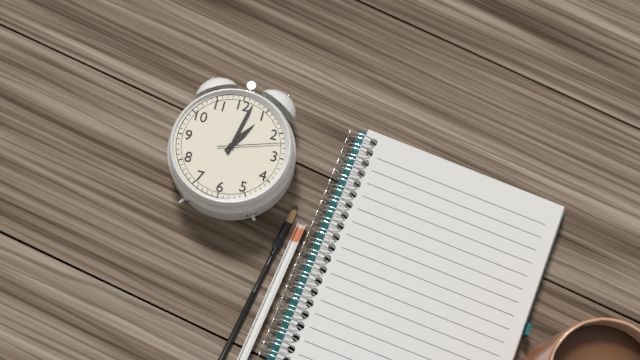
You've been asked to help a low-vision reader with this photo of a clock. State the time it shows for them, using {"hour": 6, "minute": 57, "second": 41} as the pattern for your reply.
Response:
{"hour": 1, "minute": 2, "second": 12}
